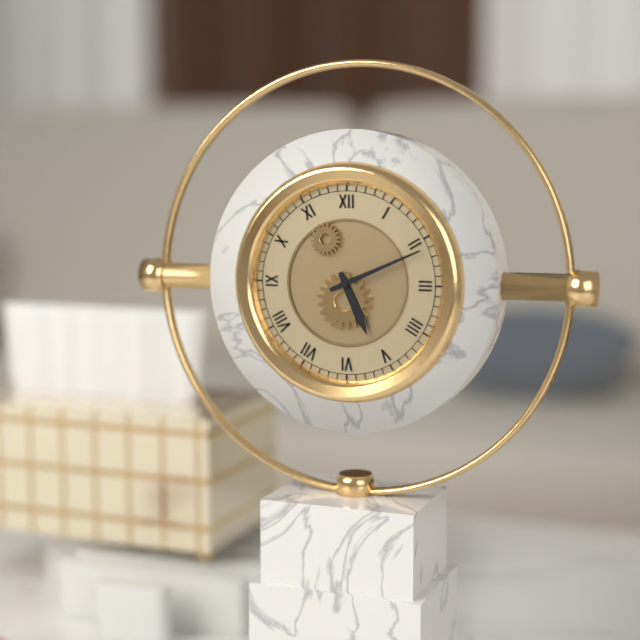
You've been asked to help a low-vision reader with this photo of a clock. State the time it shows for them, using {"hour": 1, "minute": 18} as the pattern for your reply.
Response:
{"hour": 5, "minute": 11}
